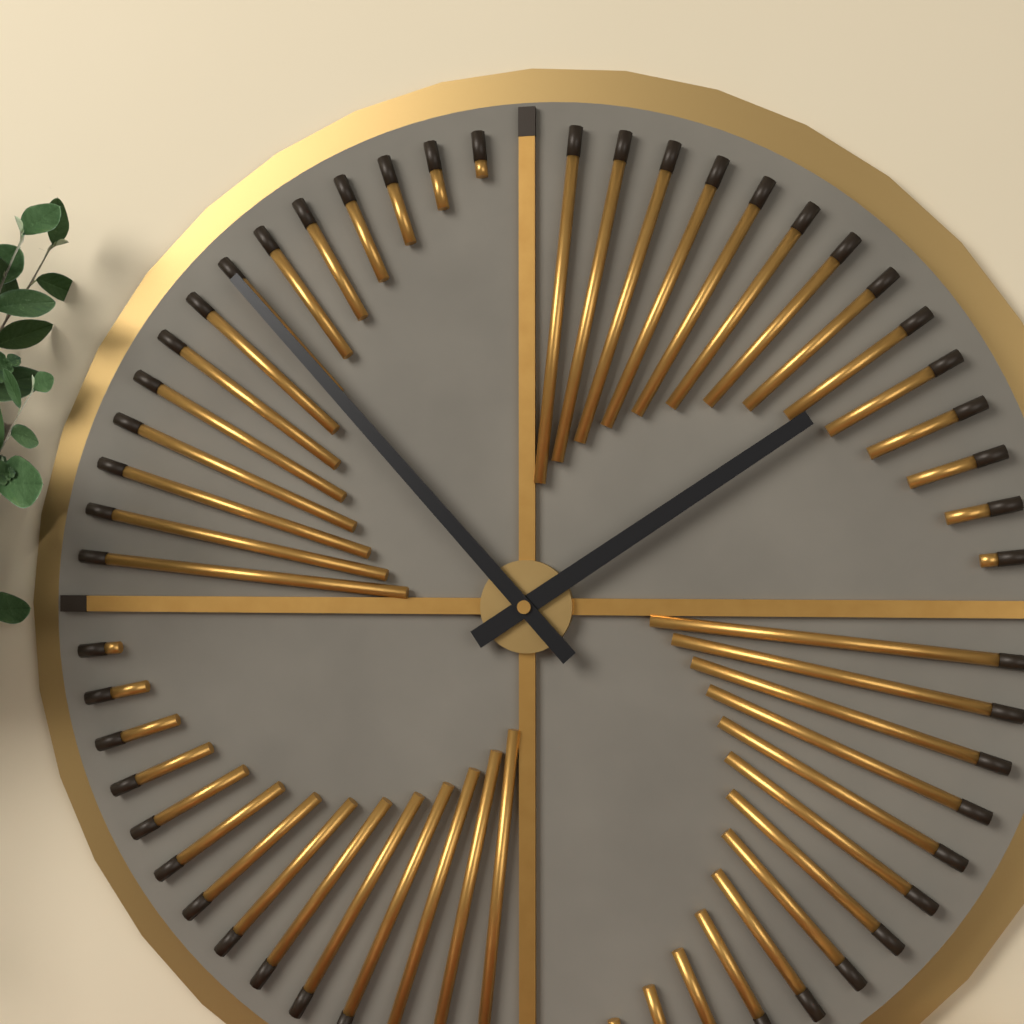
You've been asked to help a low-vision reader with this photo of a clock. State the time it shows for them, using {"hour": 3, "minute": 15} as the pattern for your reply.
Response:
{"hour": 1, "minute": 53}
